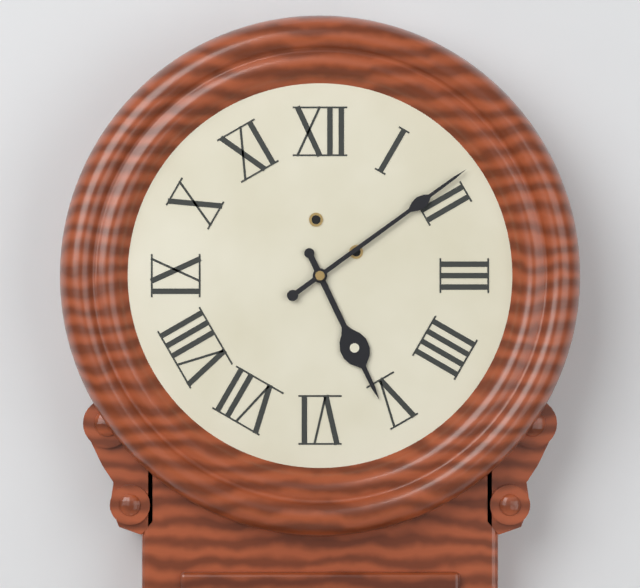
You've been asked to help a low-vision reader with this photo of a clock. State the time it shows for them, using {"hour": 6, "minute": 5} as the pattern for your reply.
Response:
{"hour": 5, "minute": 9}
